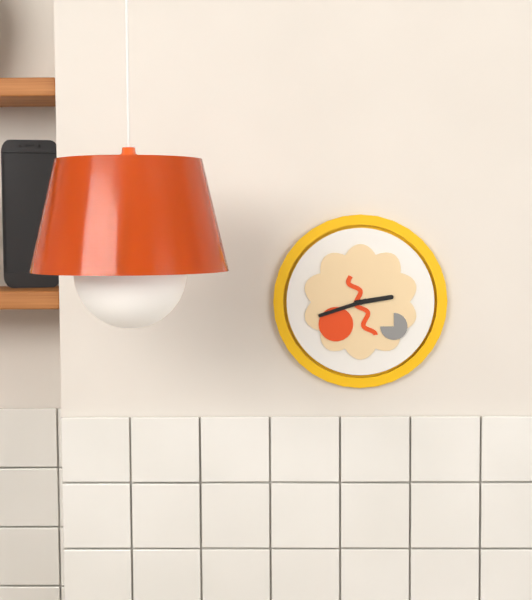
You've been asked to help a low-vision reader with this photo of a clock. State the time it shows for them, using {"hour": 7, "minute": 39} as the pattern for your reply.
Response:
{"hour": 2, "minute": 42}
